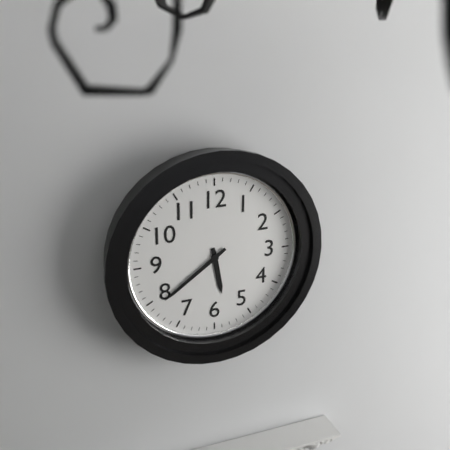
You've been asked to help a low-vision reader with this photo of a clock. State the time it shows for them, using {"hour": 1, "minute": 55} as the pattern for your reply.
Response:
{"hour": 5, "minute": 39}
